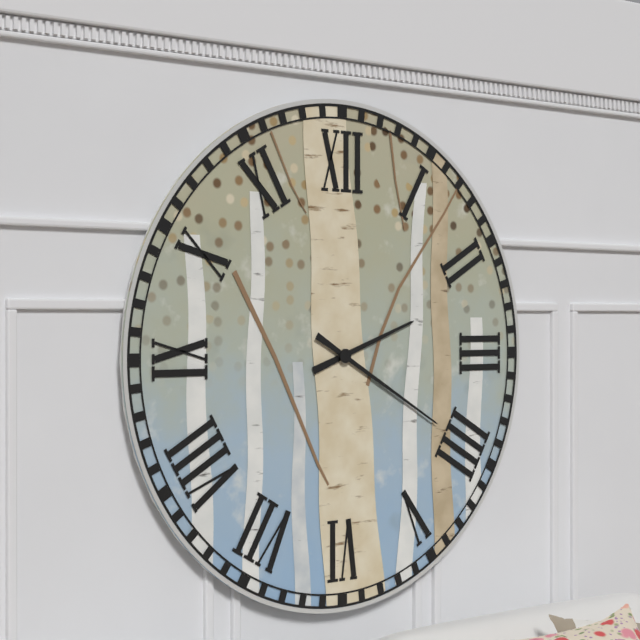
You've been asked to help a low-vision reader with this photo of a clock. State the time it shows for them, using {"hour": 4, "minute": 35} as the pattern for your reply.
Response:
{"hour": 2, "minute": 20}
